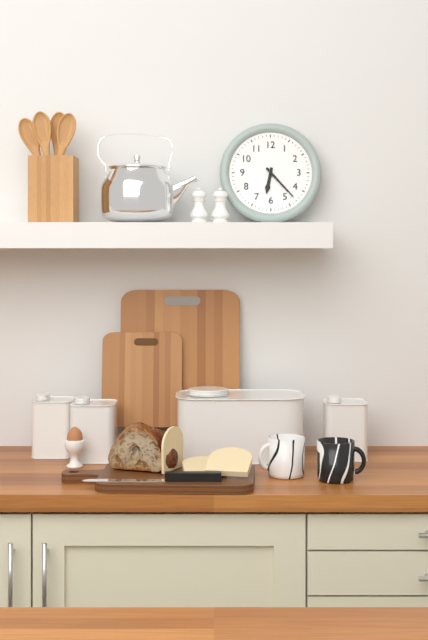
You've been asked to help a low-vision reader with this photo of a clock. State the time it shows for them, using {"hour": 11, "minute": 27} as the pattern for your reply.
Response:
{"hour": 6, "minute": 23}
